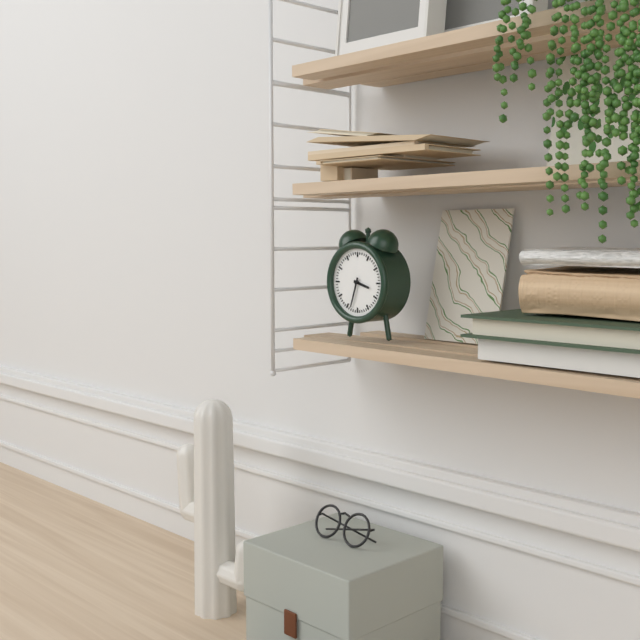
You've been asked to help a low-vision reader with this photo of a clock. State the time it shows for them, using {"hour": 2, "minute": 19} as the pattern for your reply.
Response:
{"hour": 3, "minute": 33}
